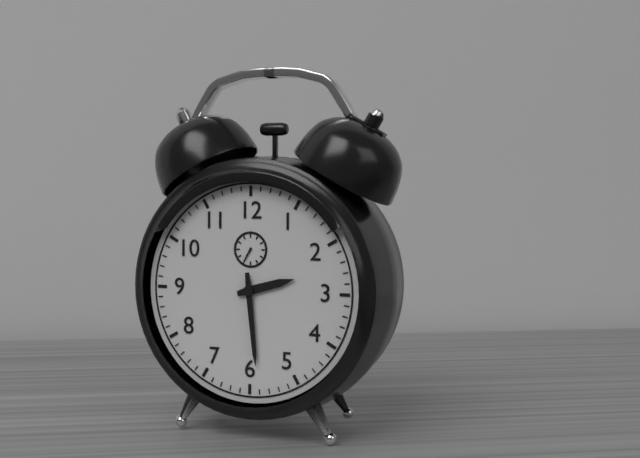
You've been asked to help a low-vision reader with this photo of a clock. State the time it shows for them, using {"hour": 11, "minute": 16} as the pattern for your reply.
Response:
{"hour": 2, "minute": 29}
